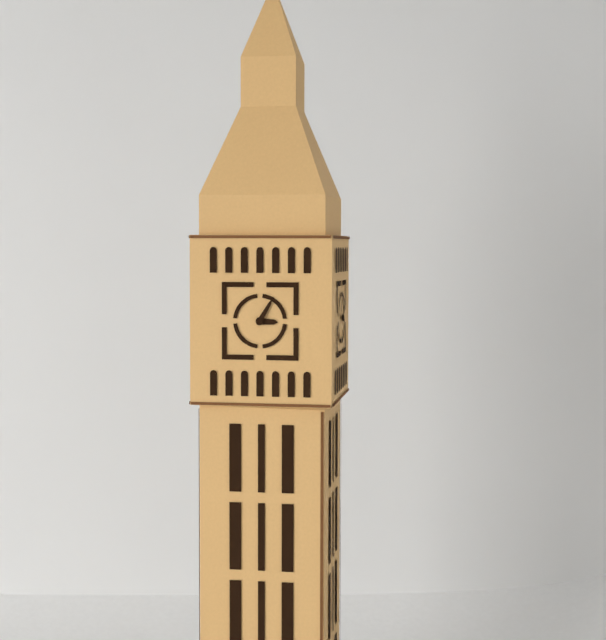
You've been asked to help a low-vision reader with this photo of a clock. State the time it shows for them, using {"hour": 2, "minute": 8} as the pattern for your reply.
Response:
{"hour": 3, "minute": 5}
